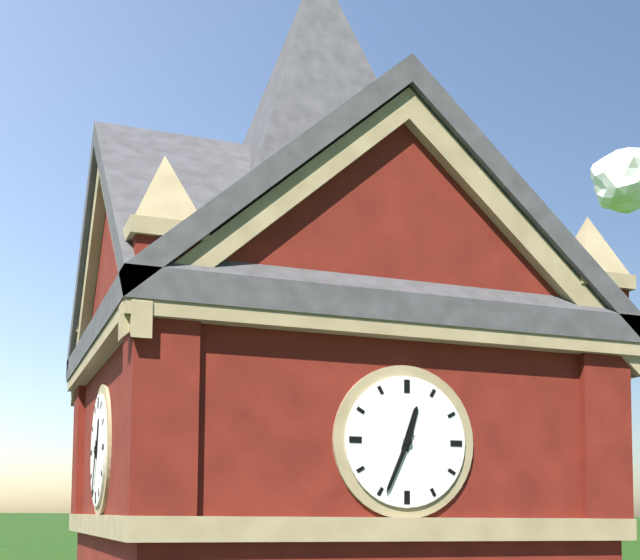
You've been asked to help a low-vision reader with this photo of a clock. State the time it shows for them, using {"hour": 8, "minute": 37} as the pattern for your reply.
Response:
{"hour": 12, "minute": 34}
